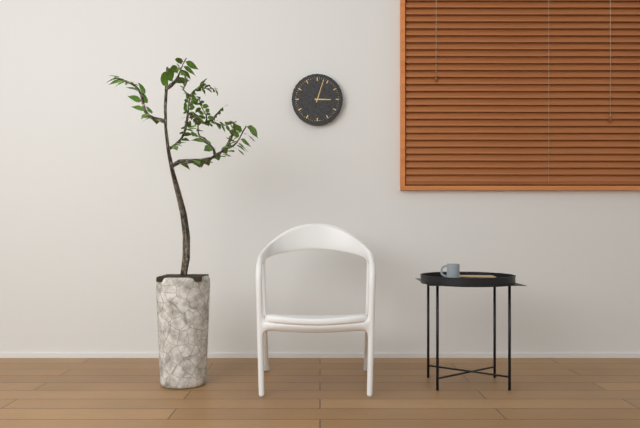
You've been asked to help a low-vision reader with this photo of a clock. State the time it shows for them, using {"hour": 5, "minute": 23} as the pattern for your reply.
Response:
{"hour": 3, "minute": 3}
